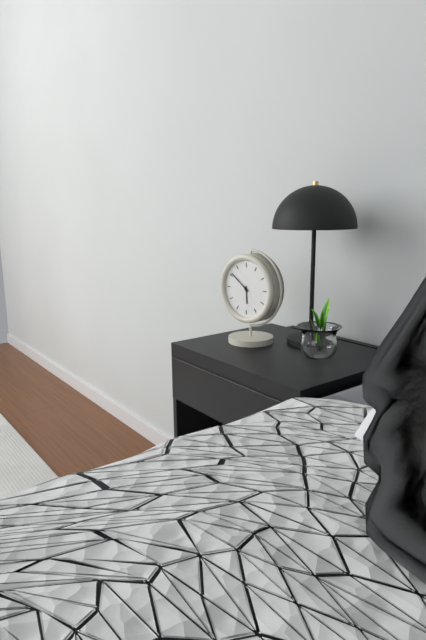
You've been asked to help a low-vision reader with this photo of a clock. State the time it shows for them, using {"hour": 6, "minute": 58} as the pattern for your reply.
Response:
{"hour": 5, "minute": 51}
